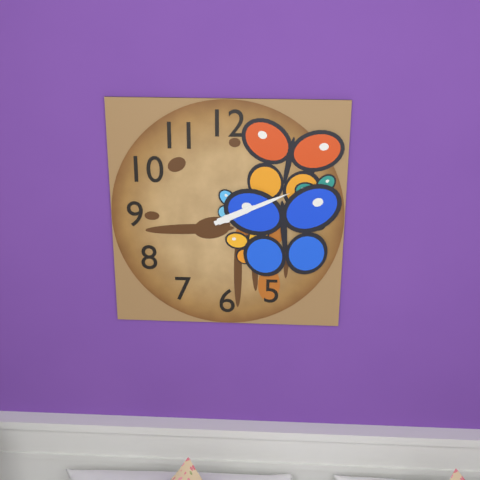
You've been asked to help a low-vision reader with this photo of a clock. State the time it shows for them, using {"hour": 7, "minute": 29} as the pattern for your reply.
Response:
{"hour": 2, "minute": 11}
